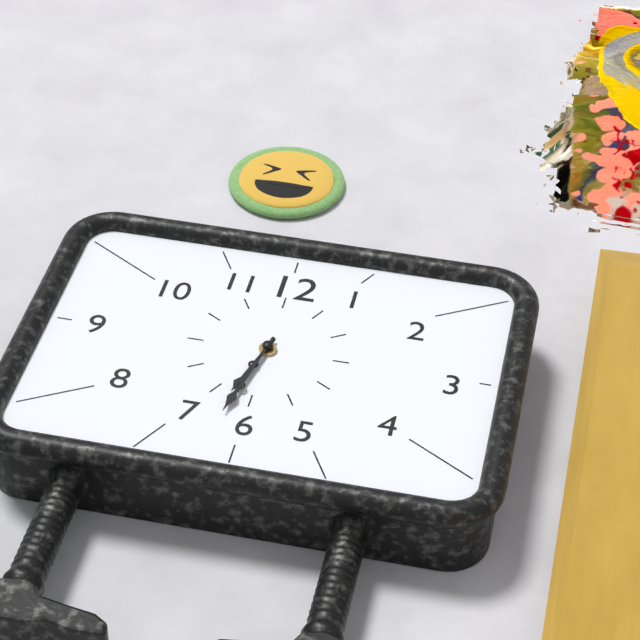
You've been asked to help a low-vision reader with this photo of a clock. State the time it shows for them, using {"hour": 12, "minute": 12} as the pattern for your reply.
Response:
{"hour": 6, "minute": 32}
